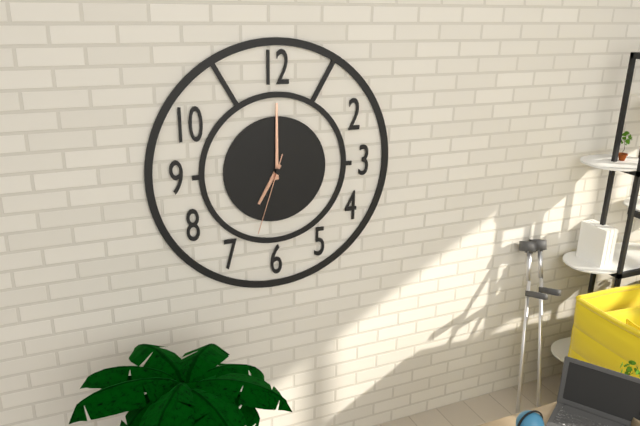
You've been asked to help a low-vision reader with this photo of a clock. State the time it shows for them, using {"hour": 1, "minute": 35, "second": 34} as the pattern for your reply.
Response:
{"hour": 7, "minute": 0, "second": 33}
